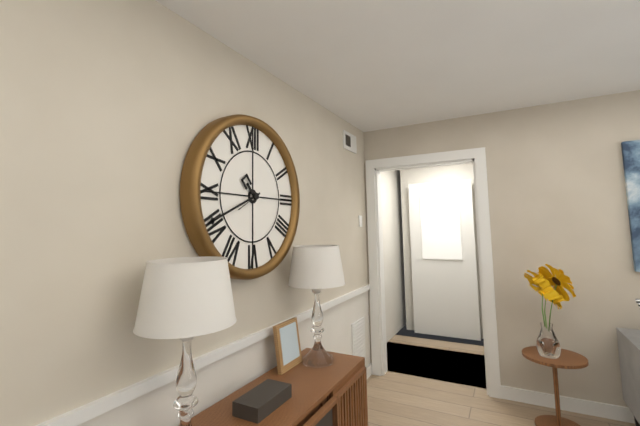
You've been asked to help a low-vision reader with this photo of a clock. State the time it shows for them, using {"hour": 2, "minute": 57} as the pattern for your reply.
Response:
{"hour": 10, "minute": 41}
